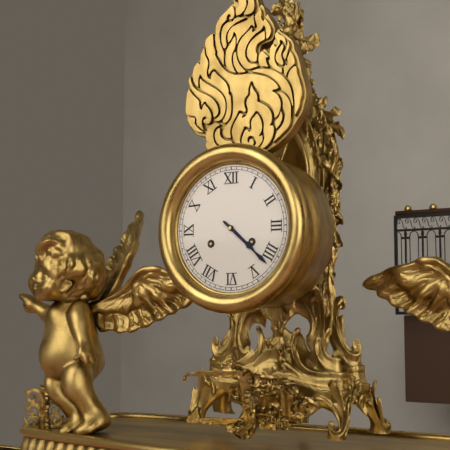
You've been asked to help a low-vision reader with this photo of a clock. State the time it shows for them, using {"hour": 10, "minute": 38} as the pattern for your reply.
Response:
{"hour": 4, "minute": 22}
